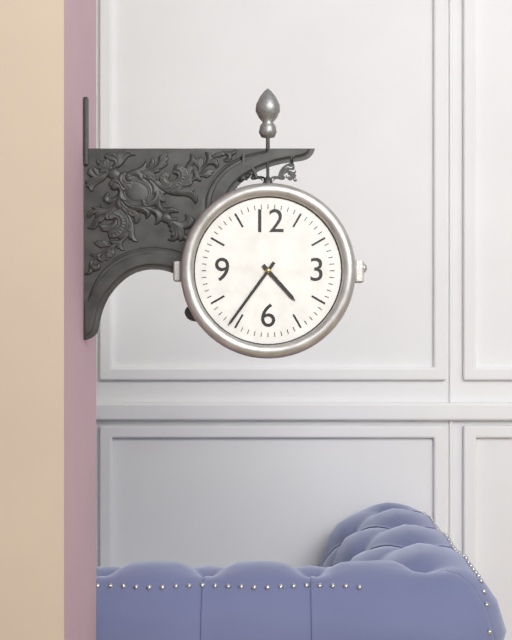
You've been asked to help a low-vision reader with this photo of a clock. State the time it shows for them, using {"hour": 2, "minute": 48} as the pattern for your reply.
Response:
{"hour": 4, "minute": 36}
